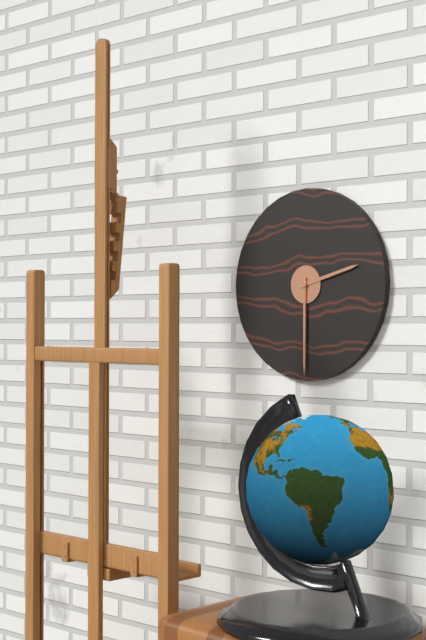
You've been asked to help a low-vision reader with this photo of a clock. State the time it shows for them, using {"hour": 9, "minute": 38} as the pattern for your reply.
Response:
{"hour": 2, "minute": 30}
